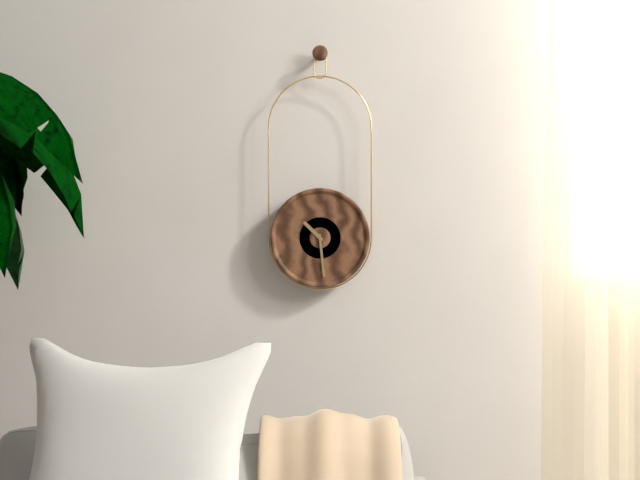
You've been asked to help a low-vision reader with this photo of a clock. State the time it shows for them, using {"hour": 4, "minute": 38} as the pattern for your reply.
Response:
{"hour": 10, "minute": 29}
